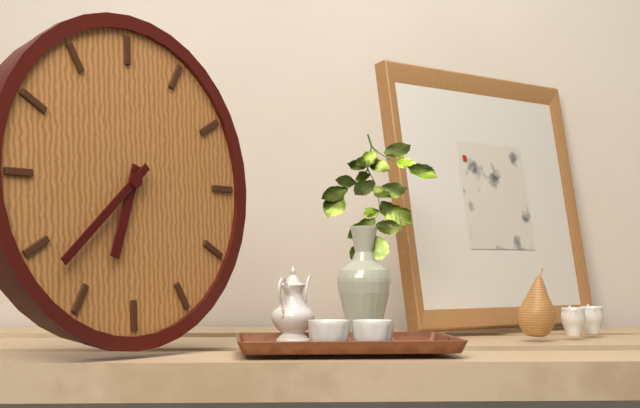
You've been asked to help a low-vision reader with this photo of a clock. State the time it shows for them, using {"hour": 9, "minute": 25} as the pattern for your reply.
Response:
{"hour": 6, "minute": 38}
